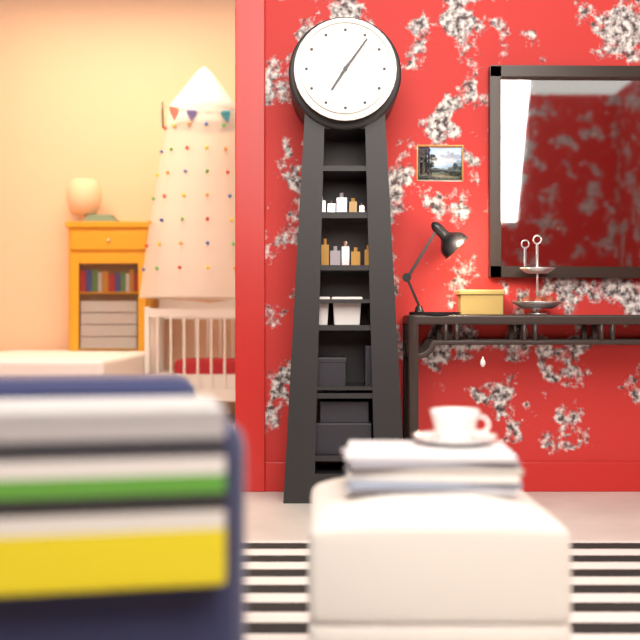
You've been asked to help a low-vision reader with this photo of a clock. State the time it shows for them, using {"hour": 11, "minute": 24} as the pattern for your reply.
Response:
{"hour": 7, "minute": 6}
